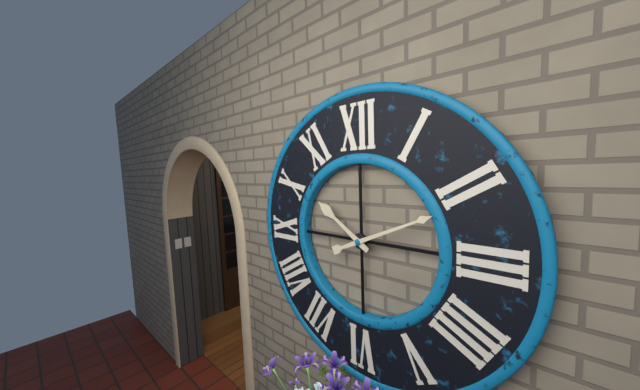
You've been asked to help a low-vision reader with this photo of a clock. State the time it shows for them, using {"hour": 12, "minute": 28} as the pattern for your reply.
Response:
{"hour": 10, "minute": 11}
